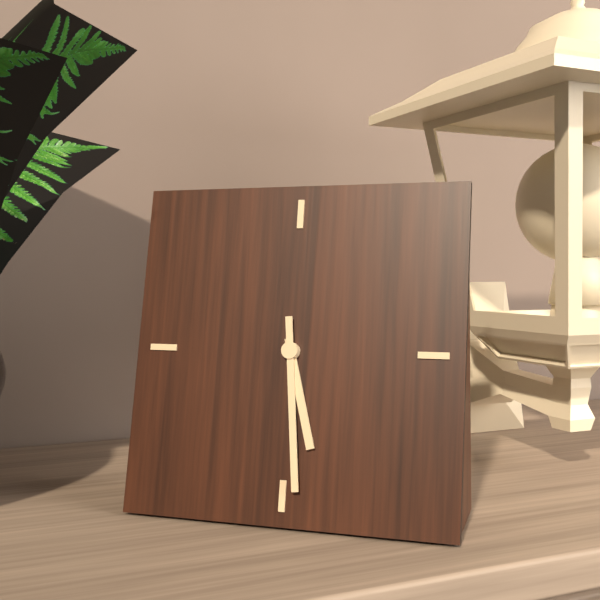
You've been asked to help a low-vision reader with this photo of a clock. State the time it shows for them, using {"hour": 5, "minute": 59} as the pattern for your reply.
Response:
{"hour": 5, "minute": 29}
